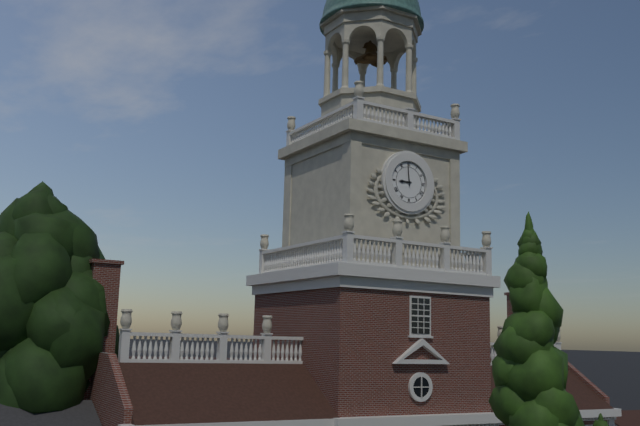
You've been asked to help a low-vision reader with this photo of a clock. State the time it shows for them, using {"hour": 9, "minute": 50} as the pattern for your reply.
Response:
{"hour": 8, "minute": 59}
